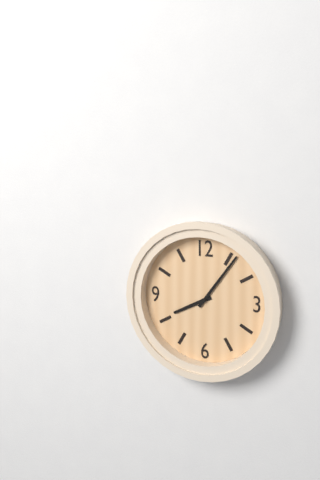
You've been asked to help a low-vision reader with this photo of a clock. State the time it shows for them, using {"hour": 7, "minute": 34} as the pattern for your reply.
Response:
{"hour": 8, "minute": 6}
